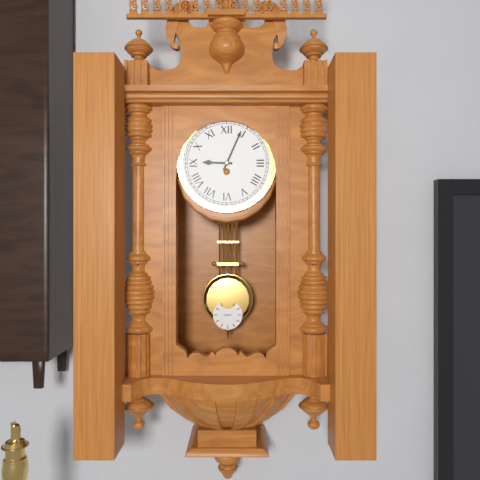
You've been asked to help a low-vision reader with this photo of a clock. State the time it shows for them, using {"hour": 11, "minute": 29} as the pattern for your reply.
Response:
{"hour": 9, "minute": 4}
